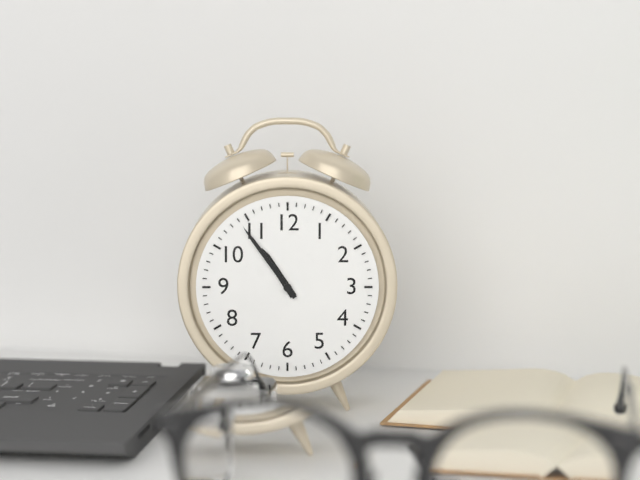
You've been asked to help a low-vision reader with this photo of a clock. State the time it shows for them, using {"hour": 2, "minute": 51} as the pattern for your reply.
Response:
{"hour": 10, "minute": 54}
